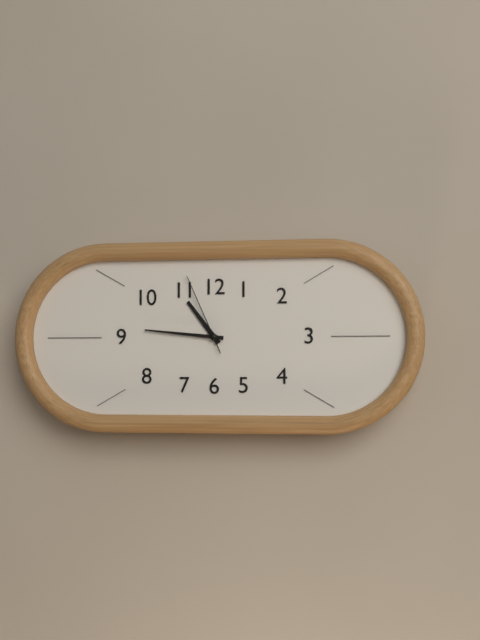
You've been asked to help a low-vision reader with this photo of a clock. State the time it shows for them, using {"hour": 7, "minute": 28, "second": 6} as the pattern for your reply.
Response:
{"hour": 10, "minute": 46, "second": 56}
